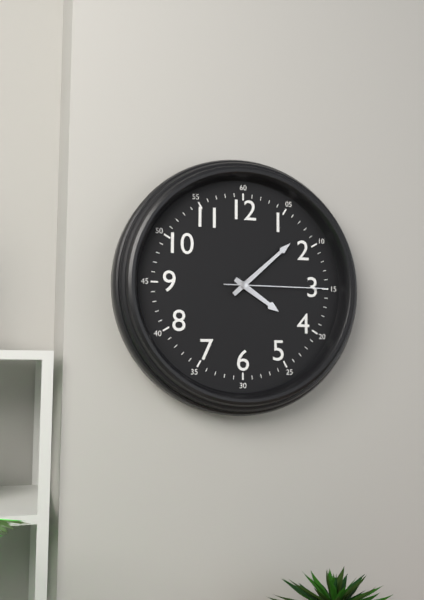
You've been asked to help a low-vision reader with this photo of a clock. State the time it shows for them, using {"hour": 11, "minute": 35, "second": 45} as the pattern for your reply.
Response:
{"hour": 4, "minute": 8, "second": 15}
